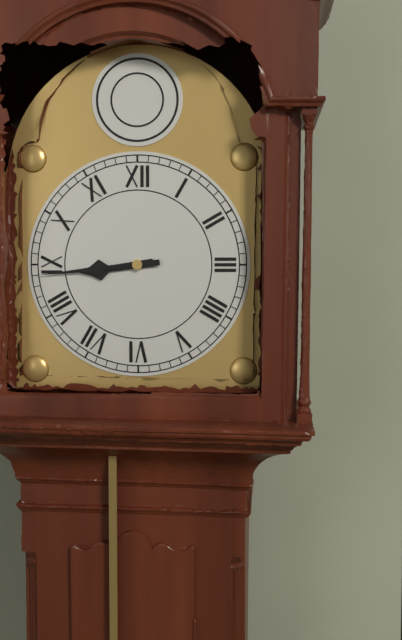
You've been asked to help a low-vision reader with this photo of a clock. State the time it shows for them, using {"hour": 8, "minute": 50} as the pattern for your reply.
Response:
{"hour": 8, "minute": 44}
